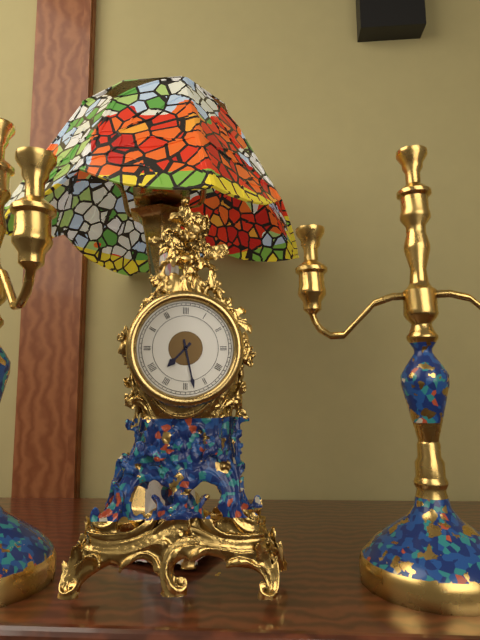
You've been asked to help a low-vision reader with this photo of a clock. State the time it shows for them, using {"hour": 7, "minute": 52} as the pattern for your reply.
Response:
{"hour": 7, "minute": 28}
